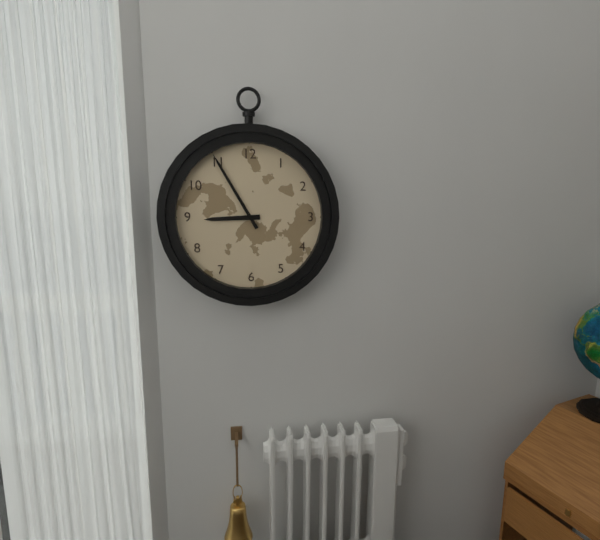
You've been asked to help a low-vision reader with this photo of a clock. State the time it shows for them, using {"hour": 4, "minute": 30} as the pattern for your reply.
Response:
{"hour": 8, "minute": 55}
